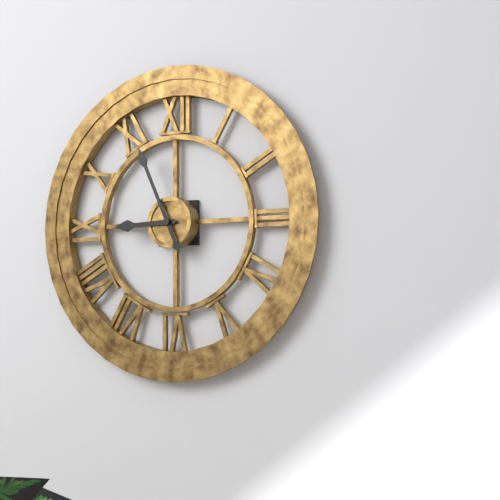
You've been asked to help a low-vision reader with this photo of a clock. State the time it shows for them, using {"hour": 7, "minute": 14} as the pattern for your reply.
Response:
{"hour": 8, "minute": 56}
